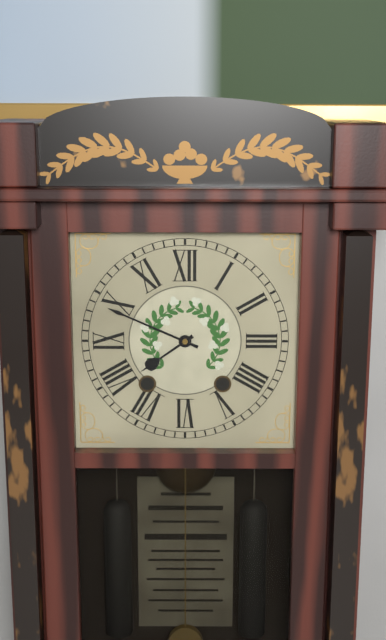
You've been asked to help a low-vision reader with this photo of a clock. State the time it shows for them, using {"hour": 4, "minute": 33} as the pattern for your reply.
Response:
{"hour": 7, "minute": 49}
